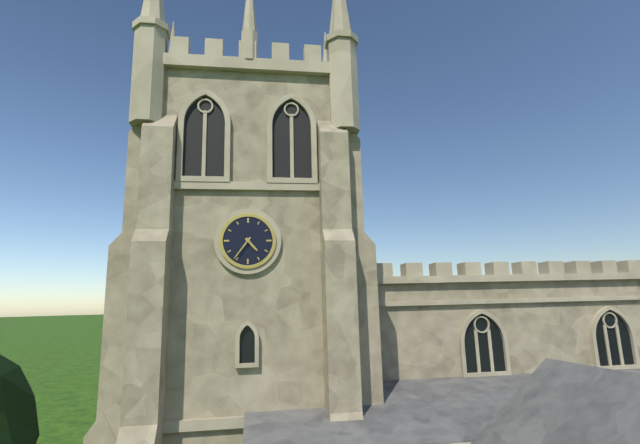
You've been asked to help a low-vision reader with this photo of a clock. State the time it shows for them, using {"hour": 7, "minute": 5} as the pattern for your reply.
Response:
{"hour": 4, "minute": 36}
